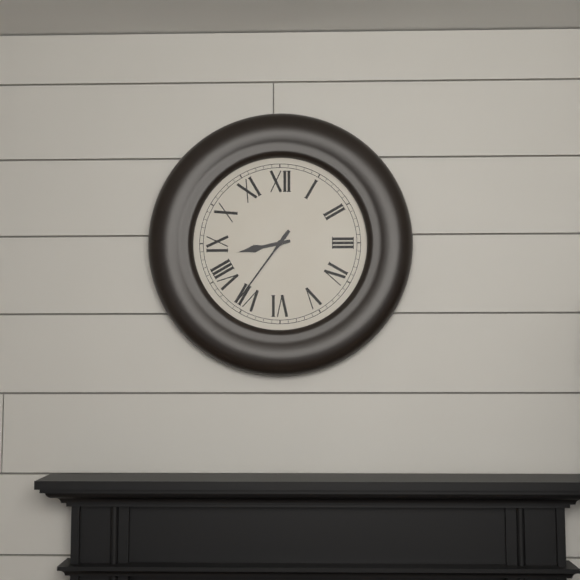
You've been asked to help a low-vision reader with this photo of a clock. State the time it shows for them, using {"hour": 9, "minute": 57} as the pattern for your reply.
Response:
{"hour": 8, "minute": 36}
